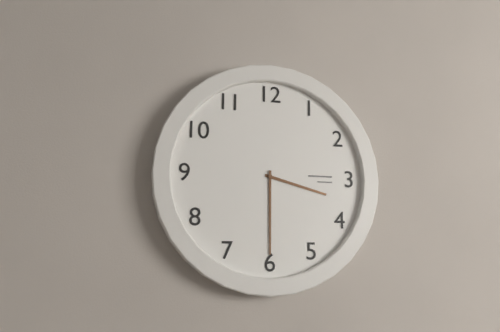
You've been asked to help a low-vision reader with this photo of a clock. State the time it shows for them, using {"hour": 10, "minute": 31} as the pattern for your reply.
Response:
{"hour": 3, "minute": 30}
